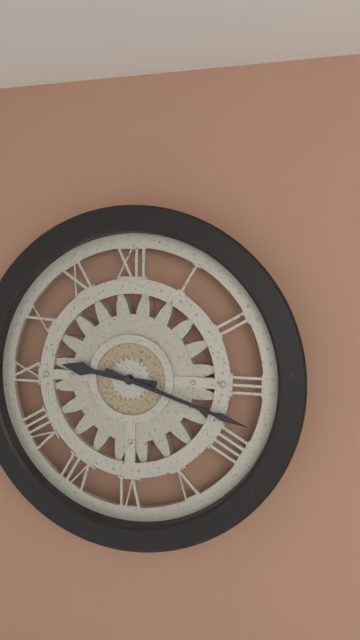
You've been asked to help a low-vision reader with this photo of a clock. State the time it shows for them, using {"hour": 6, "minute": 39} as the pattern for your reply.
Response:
{"hour": 9, "minute": 18}
